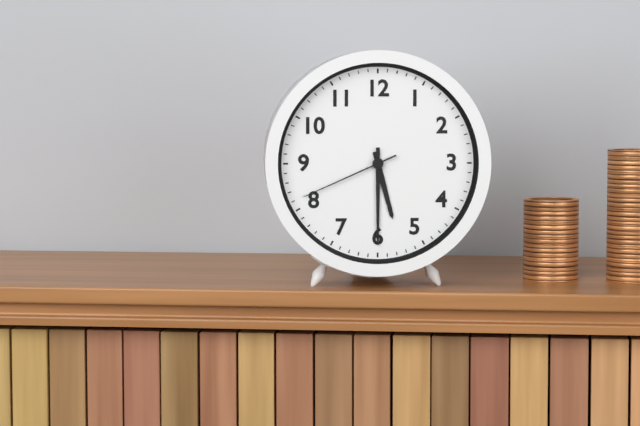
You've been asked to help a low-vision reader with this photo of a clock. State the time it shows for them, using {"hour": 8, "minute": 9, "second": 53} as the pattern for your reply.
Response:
{"hour": 5, "minute": 30, "second": 41}
